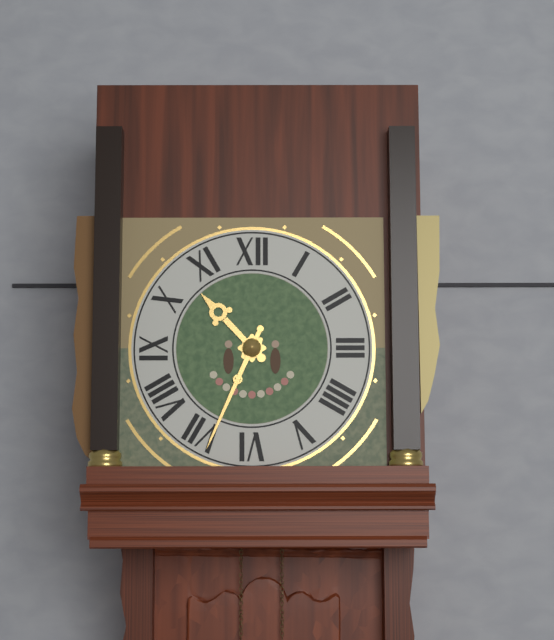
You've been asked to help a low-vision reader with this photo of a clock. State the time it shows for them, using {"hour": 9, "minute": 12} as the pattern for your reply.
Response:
{"hour": 10, "minute": 34}
